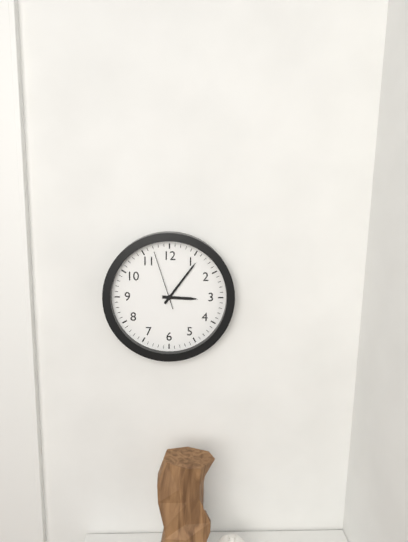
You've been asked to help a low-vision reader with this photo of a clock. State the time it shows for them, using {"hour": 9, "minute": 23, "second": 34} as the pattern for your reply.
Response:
{"hour": 3, "minute": 6, "second": 57}
